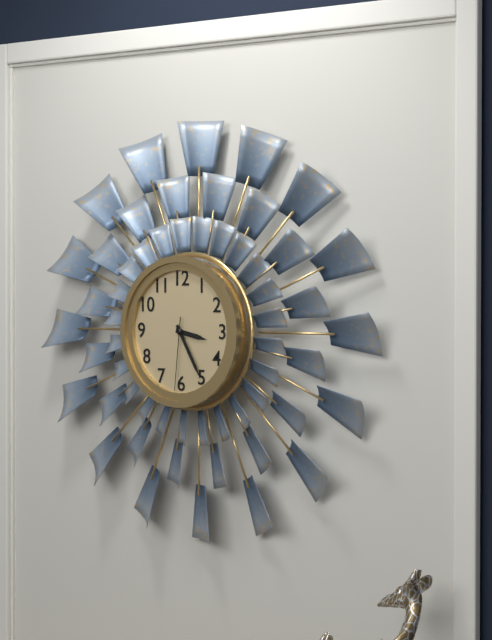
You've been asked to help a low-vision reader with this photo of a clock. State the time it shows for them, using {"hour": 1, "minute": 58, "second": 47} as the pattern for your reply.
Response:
{"hour": 3, "minute": 25, "second": 31}
